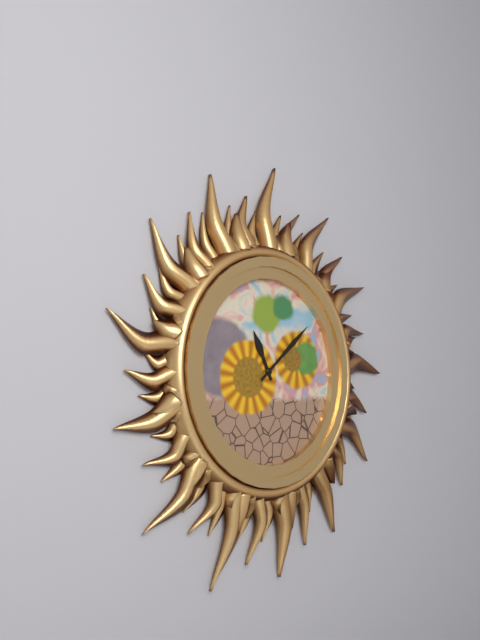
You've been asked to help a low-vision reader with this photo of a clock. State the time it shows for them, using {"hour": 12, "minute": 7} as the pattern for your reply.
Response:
{"hour": 11, "minute": 8}
